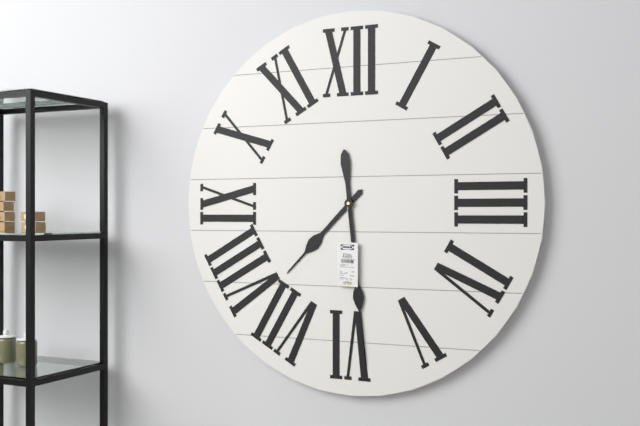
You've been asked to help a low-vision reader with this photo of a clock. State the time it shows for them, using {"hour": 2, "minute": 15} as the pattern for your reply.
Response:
{"hour": 7, "minute": 29}
